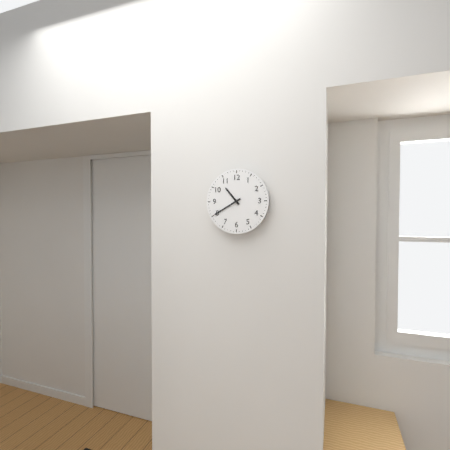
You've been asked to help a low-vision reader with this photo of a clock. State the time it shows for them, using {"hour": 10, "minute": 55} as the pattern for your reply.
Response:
{"hour": 10, "minute": 40}
